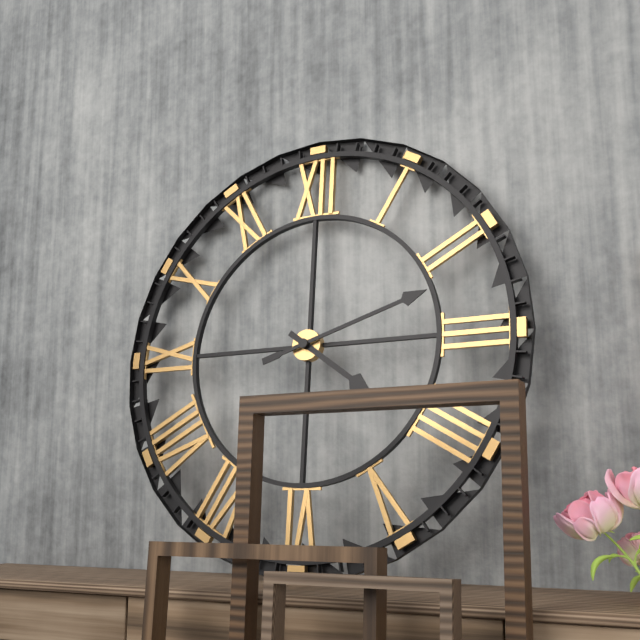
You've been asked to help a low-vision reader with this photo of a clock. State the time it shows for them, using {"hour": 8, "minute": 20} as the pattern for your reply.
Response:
{"hour": 4, "minute": 12}
